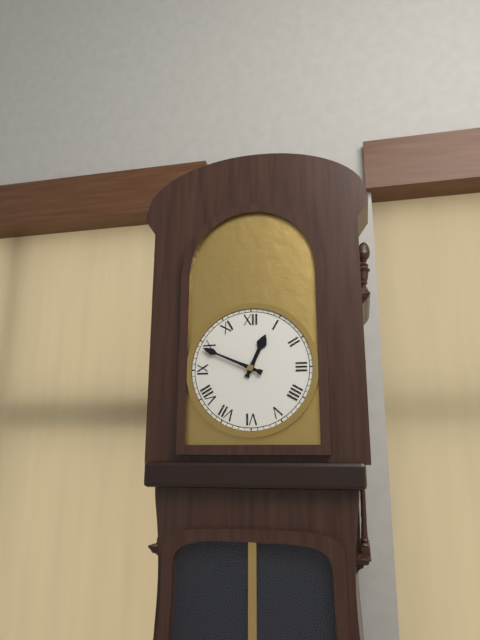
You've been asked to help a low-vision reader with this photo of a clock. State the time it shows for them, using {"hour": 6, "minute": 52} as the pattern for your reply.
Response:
{"hour": 12, "minute": 49}
